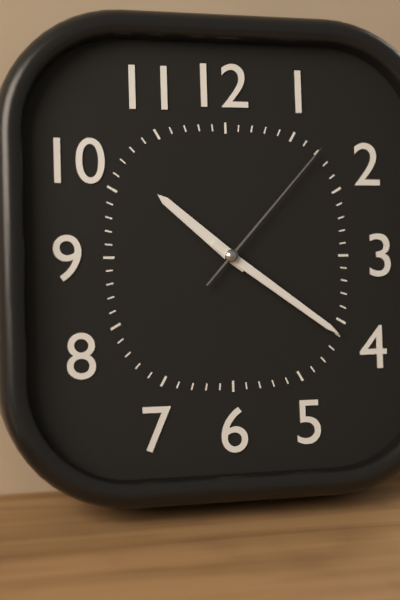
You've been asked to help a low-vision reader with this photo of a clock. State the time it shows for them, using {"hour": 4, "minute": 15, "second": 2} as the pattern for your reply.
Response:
{"hour": 10, "minute": 21, "second": 7}
